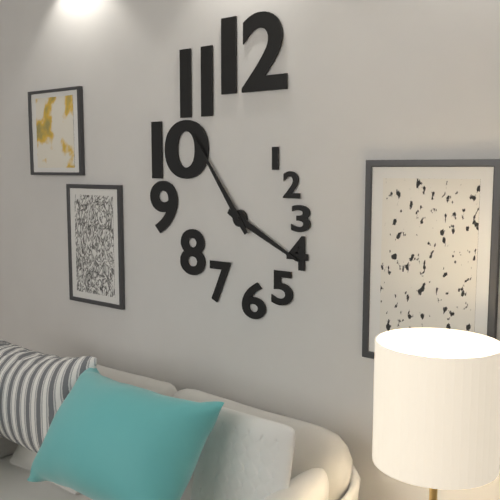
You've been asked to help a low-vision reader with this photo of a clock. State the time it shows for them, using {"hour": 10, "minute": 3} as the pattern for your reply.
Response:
{"hour": 3, "minute": 54}
